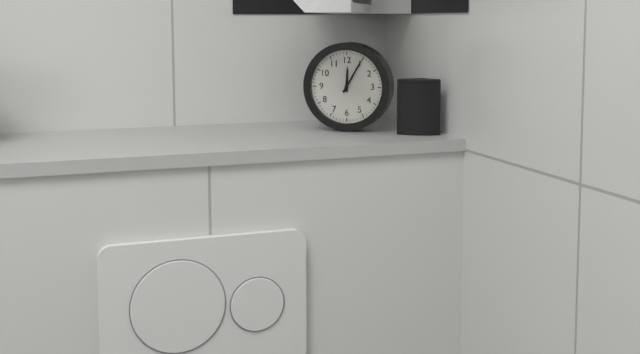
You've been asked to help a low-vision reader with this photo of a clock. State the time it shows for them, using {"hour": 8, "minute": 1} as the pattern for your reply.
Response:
{"hour": 12, "minute": 5}
